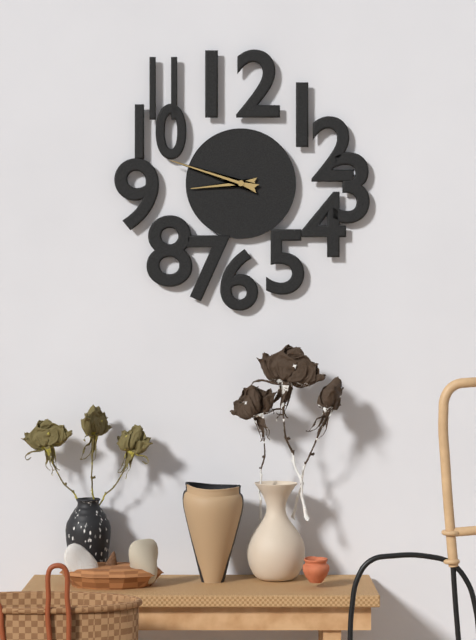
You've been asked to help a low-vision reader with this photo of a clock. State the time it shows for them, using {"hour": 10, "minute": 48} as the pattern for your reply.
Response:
{"hour": 8, "minute": 48}
